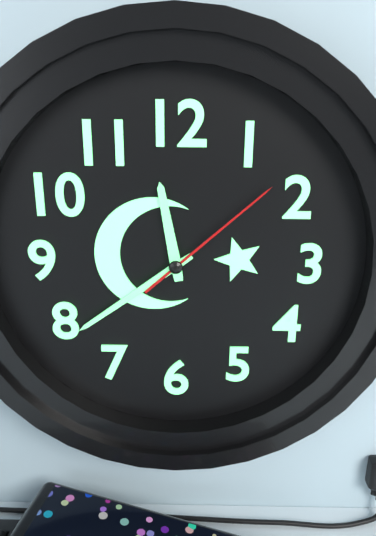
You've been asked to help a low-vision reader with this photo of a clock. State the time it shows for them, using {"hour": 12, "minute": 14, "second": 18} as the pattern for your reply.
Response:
{"hour": 11, "minute": 39, "second": 8}
